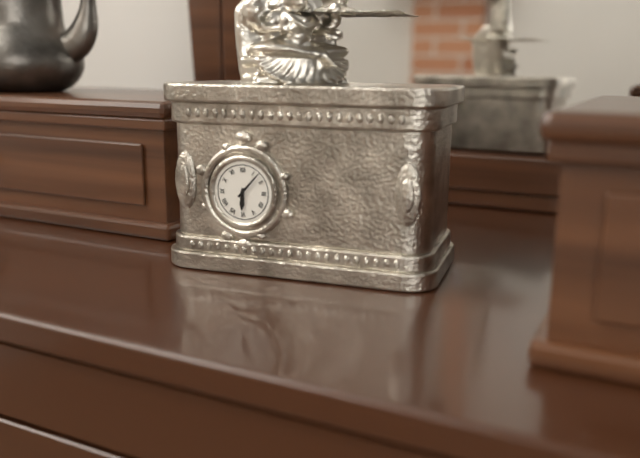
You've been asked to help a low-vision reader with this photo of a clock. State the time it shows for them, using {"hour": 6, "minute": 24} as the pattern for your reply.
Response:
{"hour": 6, "minute": 7}
